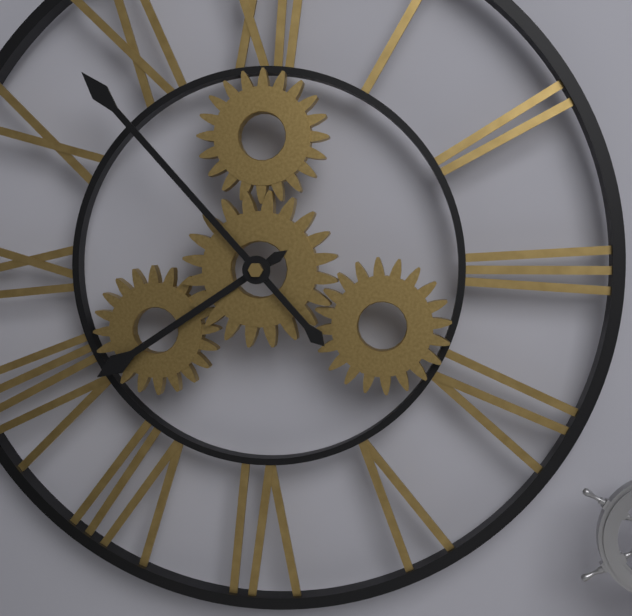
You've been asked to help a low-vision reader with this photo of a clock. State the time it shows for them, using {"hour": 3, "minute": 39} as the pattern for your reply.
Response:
{"hour": 7, "minute": 53}
